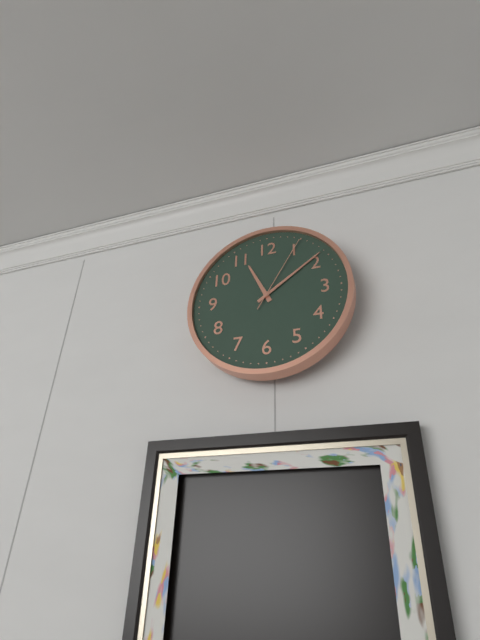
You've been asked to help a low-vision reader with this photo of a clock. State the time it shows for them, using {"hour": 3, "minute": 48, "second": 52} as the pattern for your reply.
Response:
{"hour": 11, "minute": 9, "second": 5}
